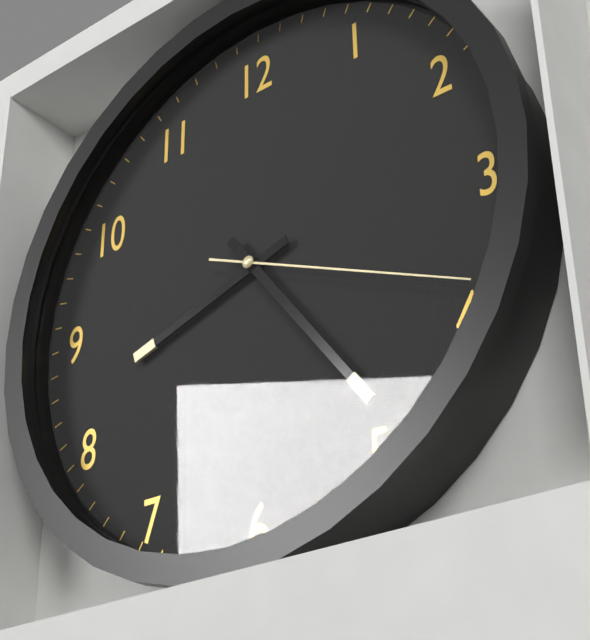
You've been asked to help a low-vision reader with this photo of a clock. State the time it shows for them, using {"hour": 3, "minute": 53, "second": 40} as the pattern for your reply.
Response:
{"hour": 8, "minute": 24, "second": 19}
